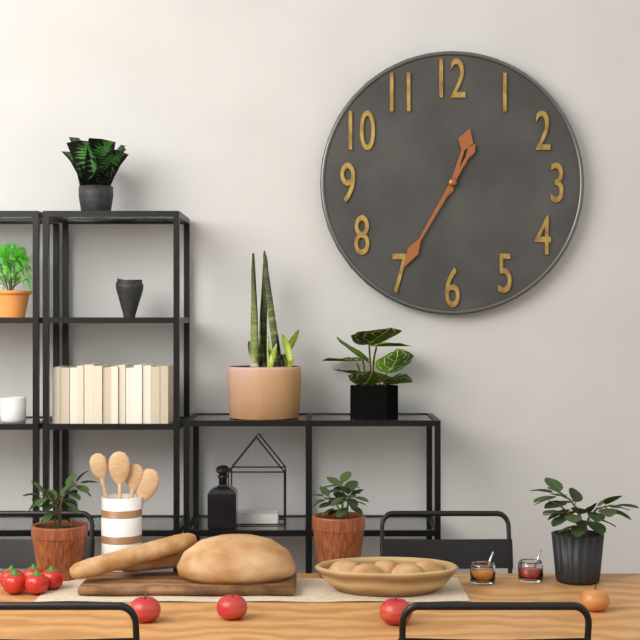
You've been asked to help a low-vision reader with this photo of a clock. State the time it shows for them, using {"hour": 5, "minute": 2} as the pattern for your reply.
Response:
{"hour": 12, "minute": 35}
